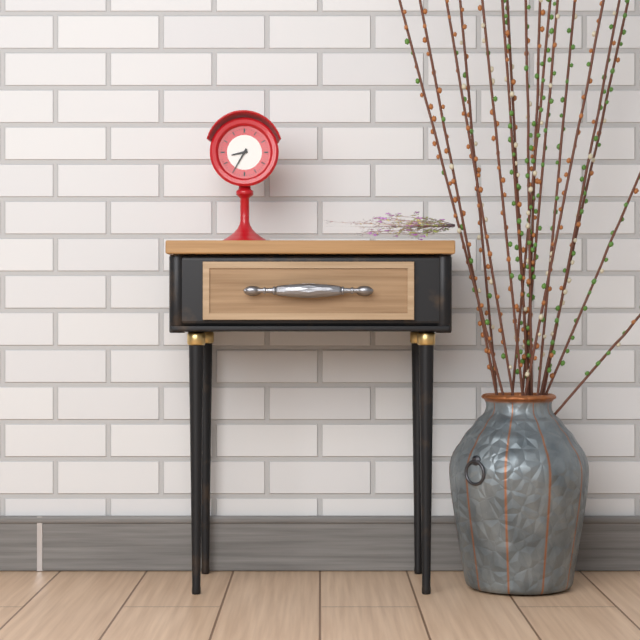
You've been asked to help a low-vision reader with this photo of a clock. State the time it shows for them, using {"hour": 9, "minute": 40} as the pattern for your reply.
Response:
{"hour": 8, "minute": 35}
